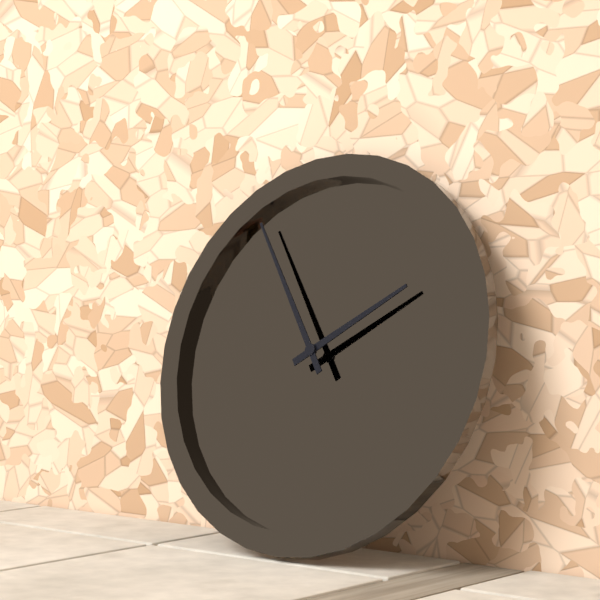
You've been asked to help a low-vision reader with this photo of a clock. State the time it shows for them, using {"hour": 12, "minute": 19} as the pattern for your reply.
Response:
{"hour": 1, "minute": 54}
